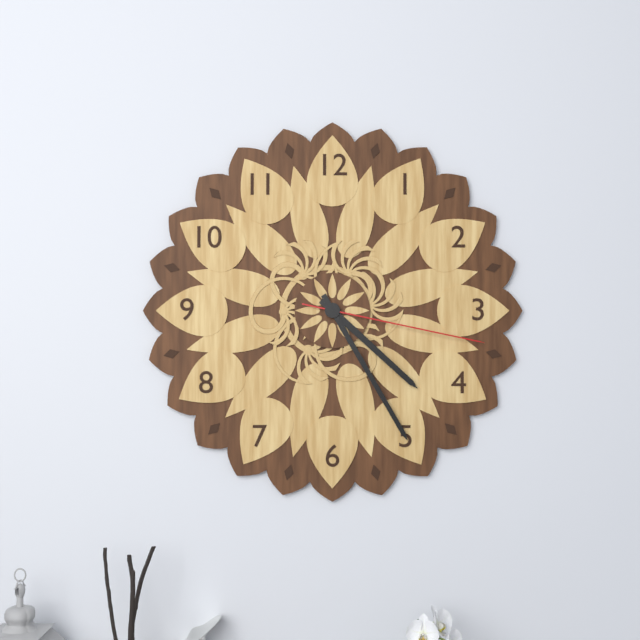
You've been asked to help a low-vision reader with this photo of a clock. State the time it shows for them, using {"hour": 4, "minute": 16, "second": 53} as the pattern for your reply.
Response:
{"hour": 4, "minute": 25, "second": 17}
